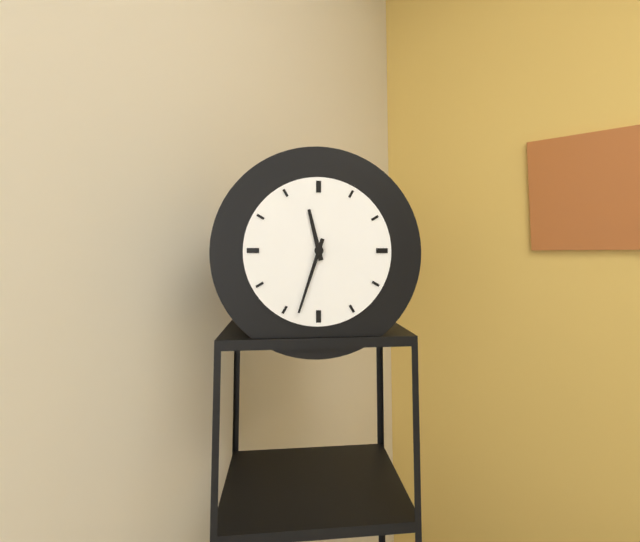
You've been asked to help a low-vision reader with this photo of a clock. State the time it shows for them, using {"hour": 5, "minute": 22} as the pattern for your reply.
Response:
{"hour": 11, "minute": 33}
